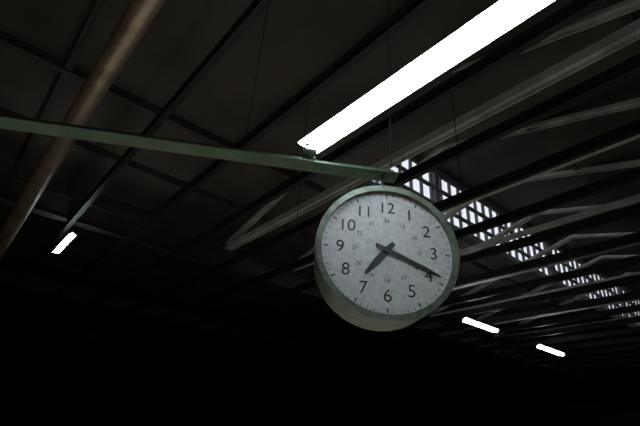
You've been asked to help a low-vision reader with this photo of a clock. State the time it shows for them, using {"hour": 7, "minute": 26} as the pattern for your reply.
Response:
{"hour": 7, "minute": 19}
